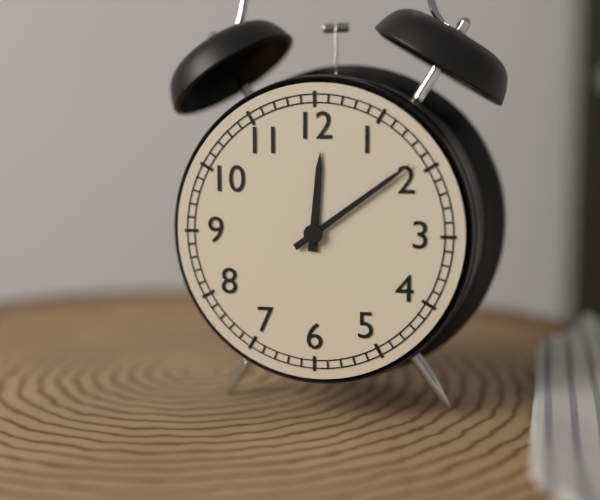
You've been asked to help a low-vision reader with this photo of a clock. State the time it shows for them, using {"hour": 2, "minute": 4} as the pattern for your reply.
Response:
{"hour": 12, "minute": 9}
